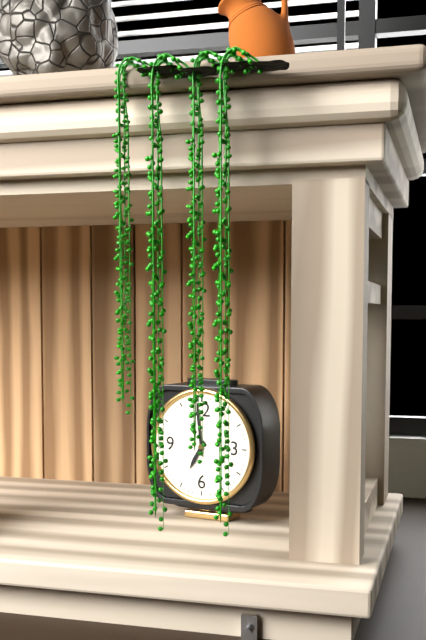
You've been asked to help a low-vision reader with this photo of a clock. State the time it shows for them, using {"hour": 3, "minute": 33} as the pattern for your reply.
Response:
{"hour": 6, "minute": 59}
